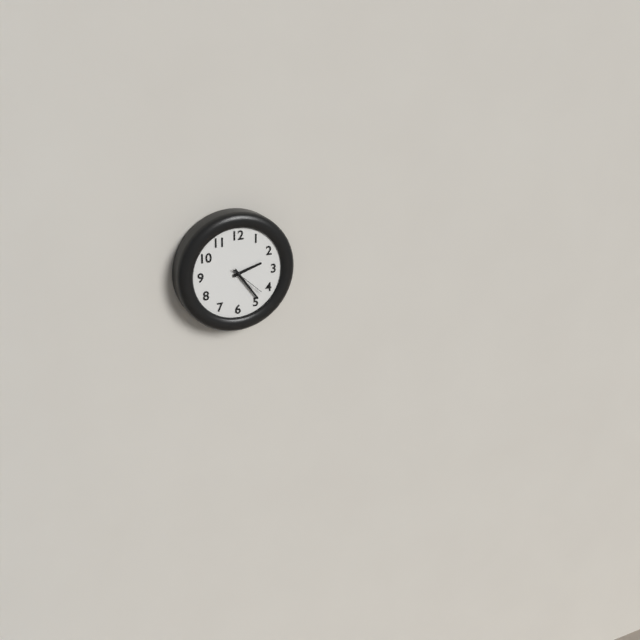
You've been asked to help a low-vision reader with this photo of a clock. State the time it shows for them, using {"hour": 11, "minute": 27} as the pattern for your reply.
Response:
{"hour": 2, "minute": 24}
